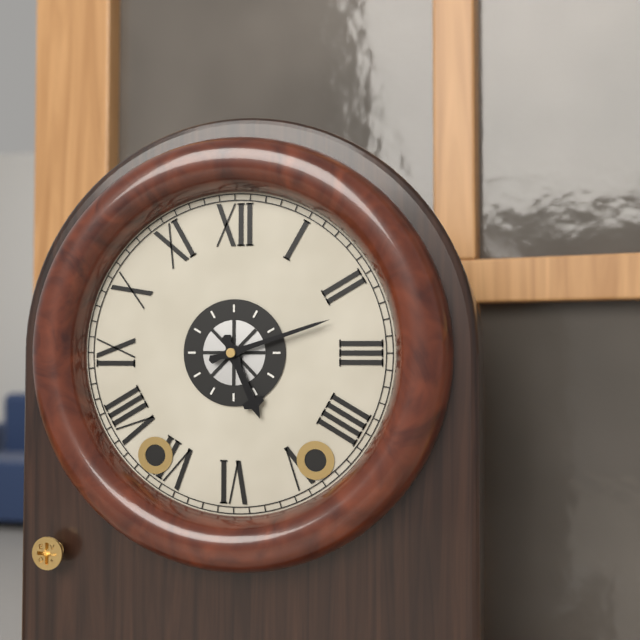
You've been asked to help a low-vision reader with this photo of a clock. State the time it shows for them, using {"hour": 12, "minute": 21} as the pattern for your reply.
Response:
{"hour": 5, "minute": 12}
